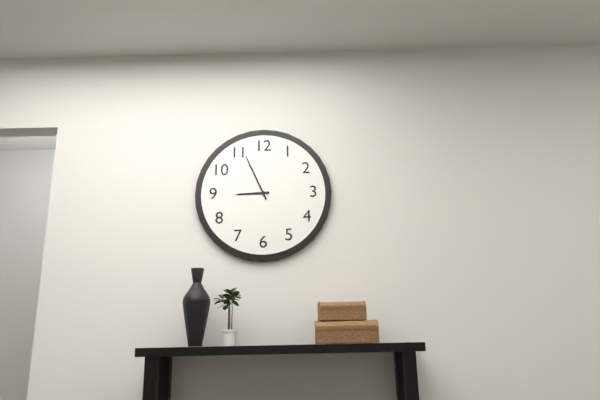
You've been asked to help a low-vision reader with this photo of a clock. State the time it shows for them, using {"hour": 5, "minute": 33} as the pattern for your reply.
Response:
{"hour": 8, "minute": 56}
